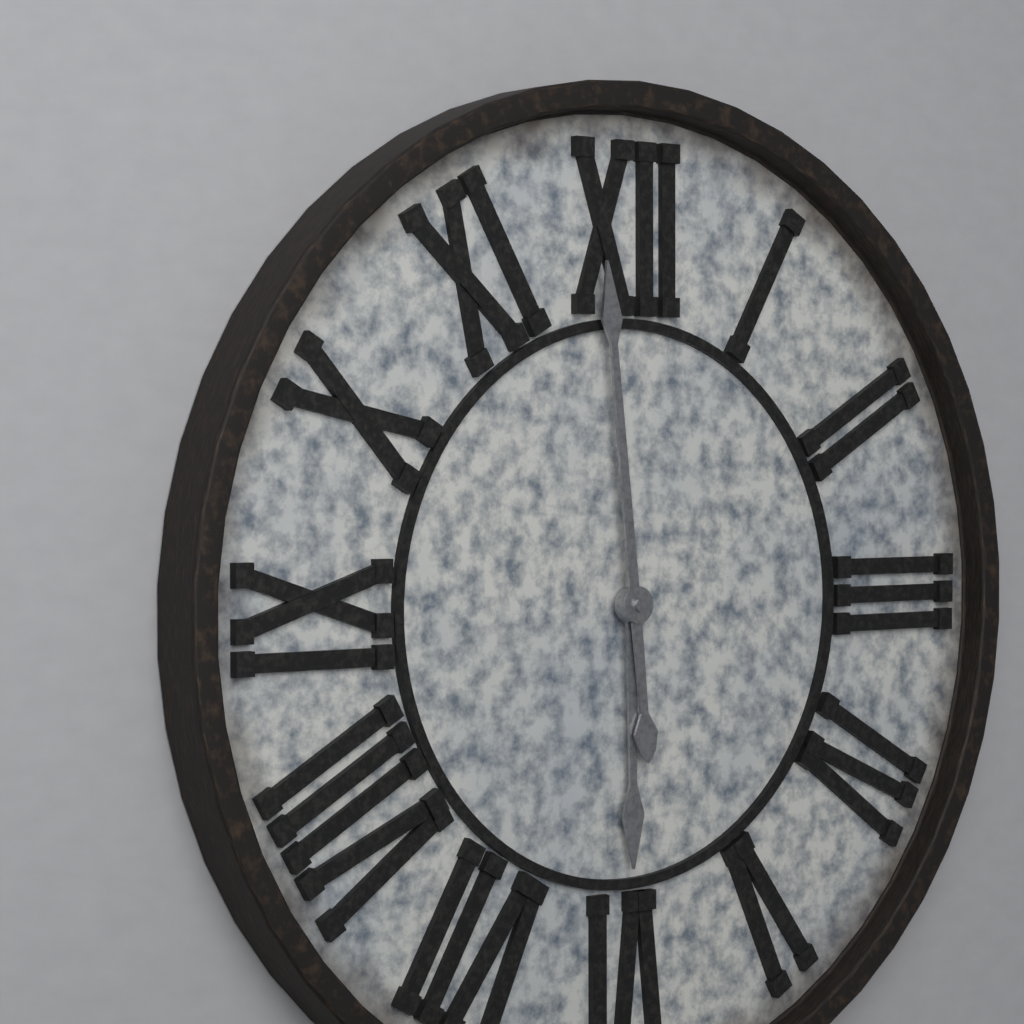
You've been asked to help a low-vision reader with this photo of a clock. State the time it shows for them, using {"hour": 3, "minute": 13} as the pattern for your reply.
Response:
{"hour": 5, "minute": 59}
